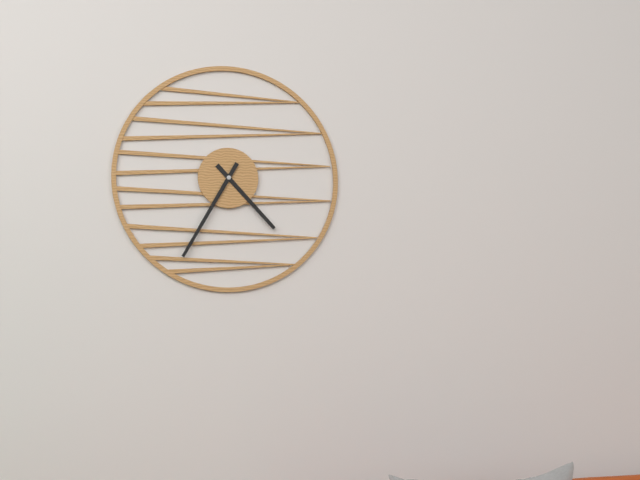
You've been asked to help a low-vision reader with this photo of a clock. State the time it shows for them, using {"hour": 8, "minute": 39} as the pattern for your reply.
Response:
{"hour": 4, "minute": 35}
